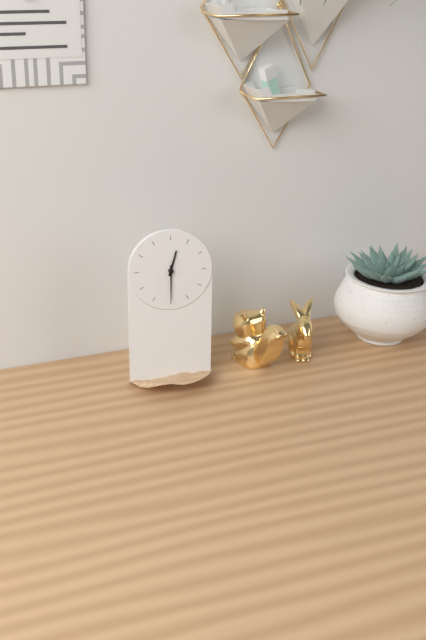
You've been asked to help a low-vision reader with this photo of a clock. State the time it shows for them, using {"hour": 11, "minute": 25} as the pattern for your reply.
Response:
{"hour": 12, "minute": 30}
